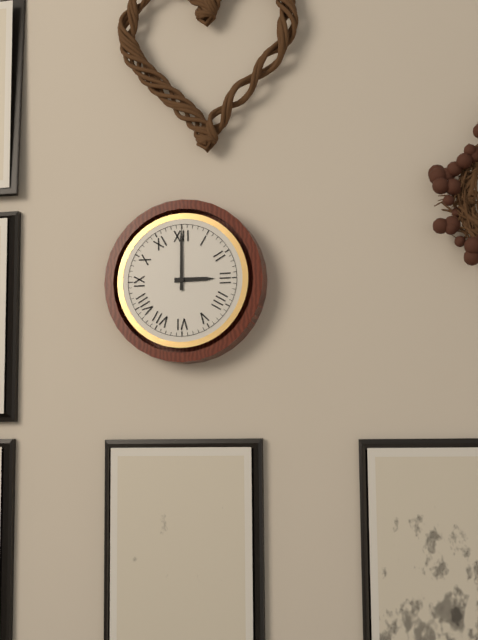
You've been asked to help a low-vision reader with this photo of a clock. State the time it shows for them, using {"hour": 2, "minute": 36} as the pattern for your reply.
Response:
{"hour": 3, "minute": 0}
